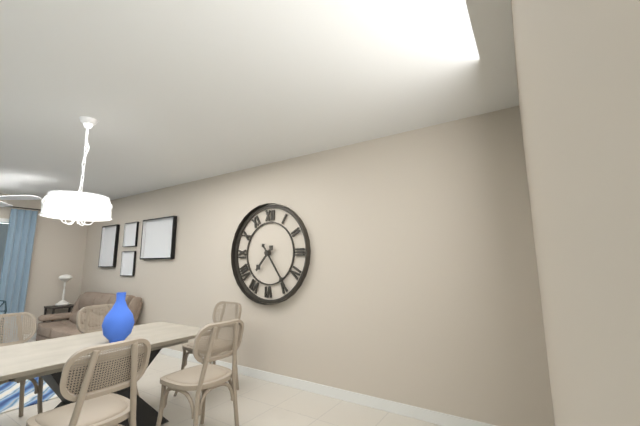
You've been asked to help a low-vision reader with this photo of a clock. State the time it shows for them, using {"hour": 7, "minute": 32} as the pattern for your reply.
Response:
{"hour": 7, "minute": 24}
